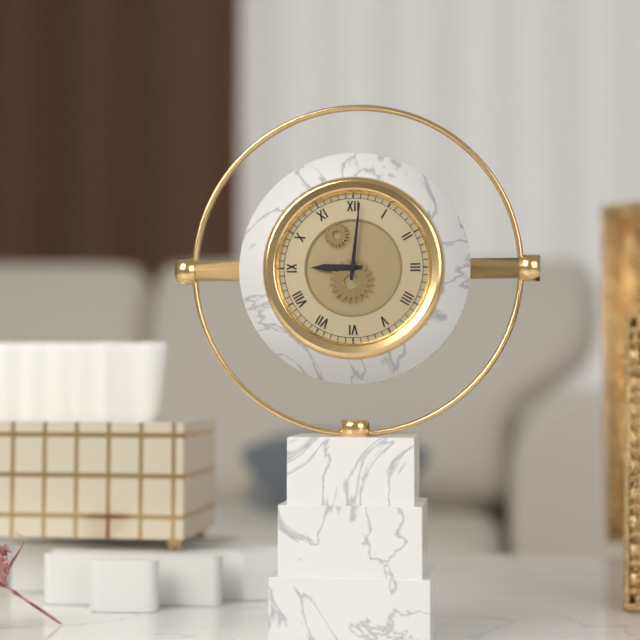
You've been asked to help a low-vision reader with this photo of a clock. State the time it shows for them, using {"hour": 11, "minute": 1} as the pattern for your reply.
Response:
{"hour": 9, "minute": 1}
